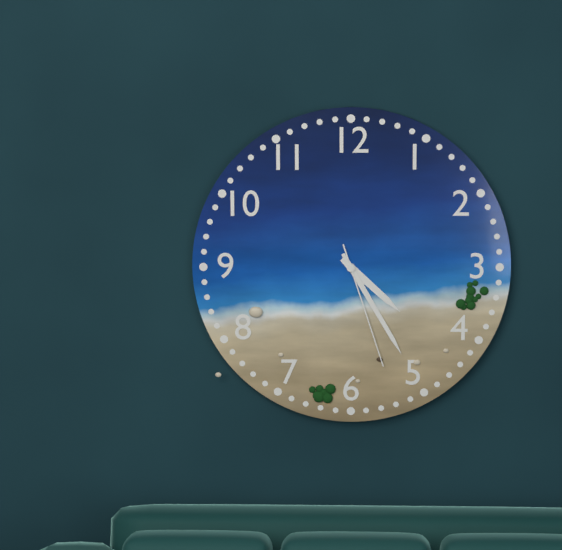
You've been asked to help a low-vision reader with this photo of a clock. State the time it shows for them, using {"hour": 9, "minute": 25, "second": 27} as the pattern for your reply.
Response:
{"hour": 4, "minute": 25, "second": 27}
